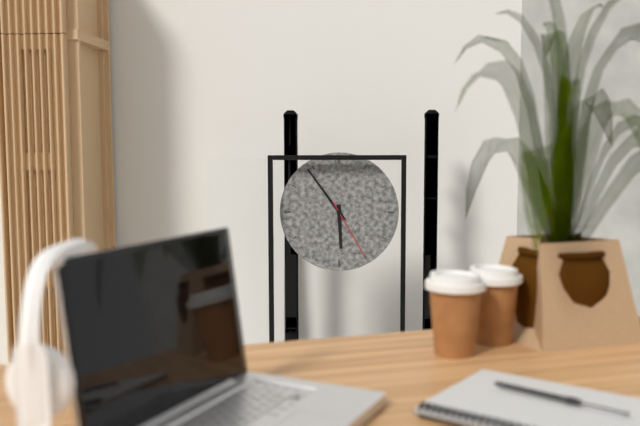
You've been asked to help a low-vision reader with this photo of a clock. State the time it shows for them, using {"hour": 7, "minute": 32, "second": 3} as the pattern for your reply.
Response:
{"hour": 5, "minute": 54, "second": 25}
